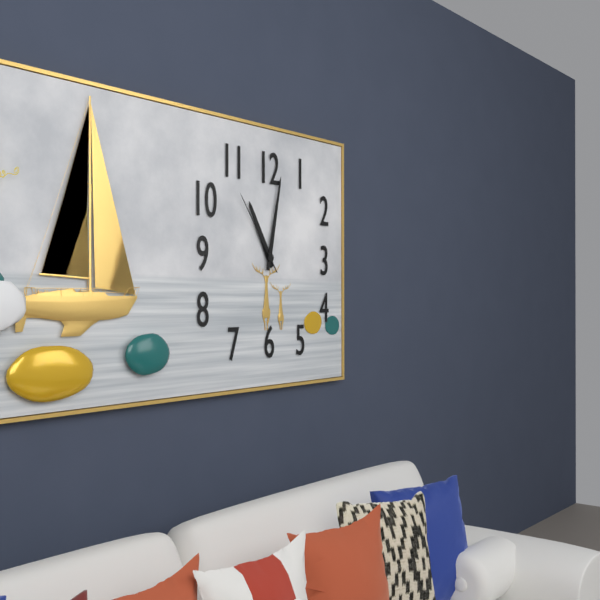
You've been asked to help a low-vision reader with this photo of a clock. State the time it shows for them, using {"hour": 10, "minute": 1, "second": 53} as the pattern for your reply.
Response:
{"hour": 11, "minute": 2, "second": 54}
